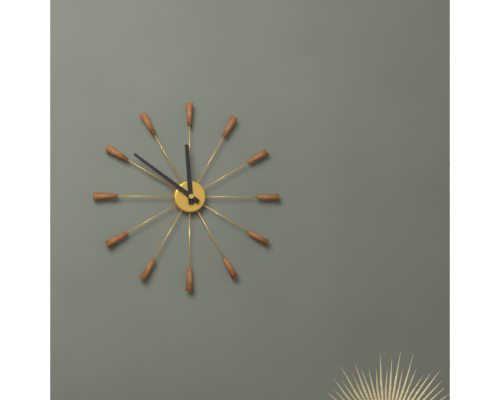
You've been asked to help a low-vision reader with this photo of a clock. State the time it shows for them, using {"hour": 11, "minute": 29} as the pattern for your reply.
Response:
{"hour": 11, "minute": 51}
